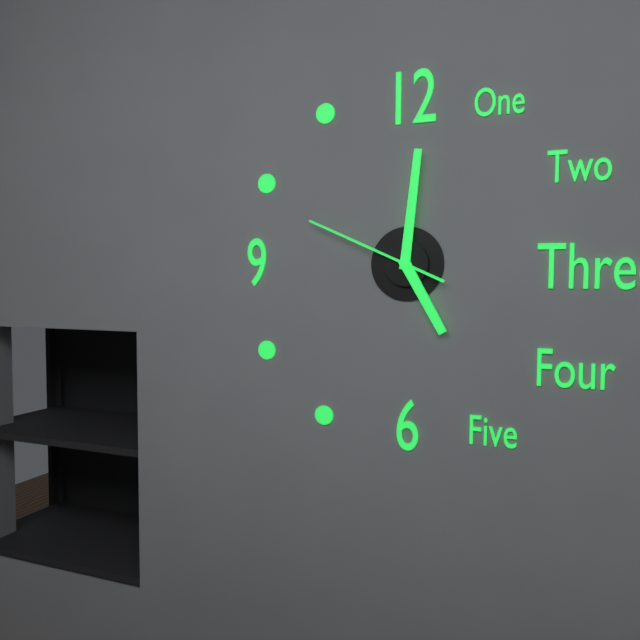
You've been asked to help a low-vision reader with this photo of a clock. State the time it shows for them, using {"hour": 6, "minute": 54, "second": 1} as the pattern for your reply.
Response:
{"hour": 5, "minute": 1, "second": 49}
